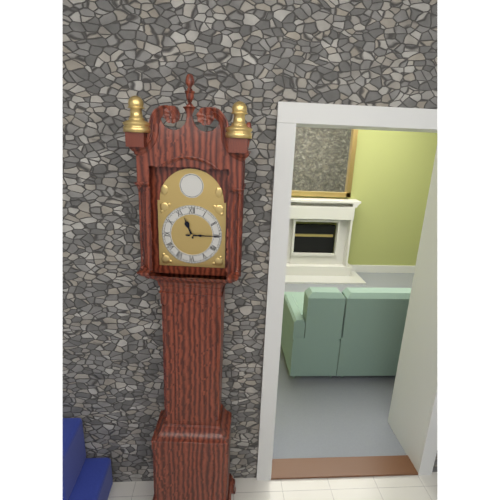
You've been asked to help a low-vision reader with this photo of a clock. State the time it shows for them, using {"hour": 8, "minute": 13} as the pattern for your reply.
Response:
{"hour": 11, "minute": 15}
